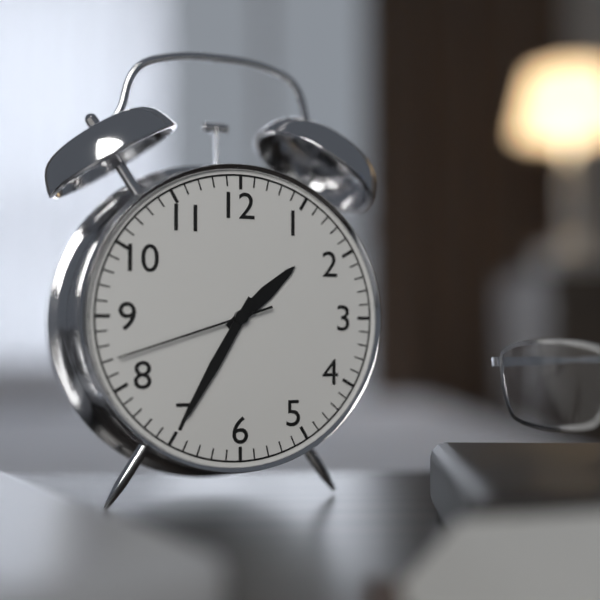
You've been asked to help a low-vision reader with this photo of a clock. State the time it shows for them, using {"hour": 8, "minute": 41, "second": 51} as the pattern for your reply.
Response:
{"hour": 1, "minute": 35, "second": 42}
